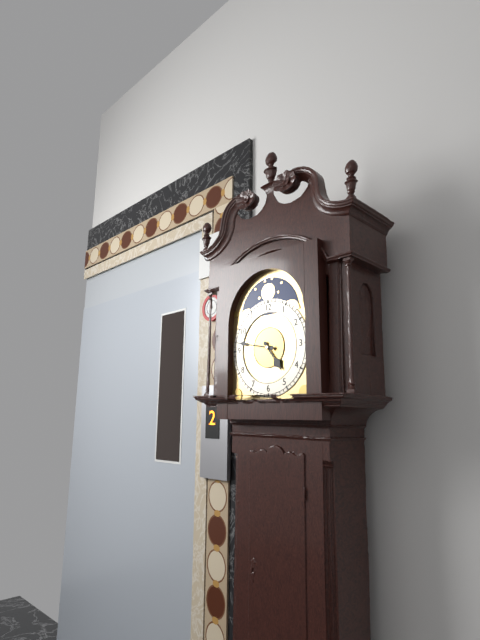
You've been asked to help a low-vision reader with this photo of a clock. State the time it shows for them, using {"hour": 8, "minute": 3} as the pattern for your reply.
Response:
{"hour": 4, "minute": 47}
